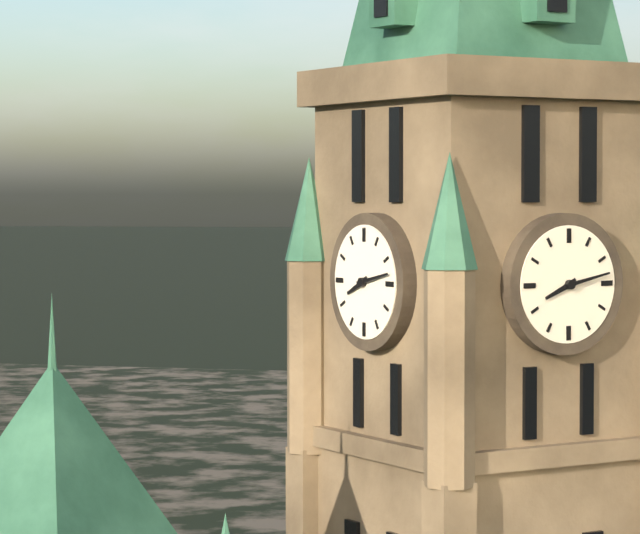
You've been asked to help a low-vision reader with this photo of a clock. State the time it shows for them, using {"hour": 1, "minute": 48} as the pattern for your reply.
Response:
{"hour": 8, "minute": 13}
